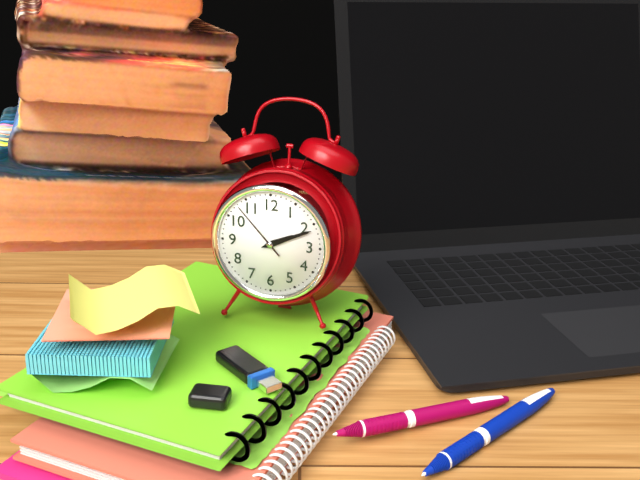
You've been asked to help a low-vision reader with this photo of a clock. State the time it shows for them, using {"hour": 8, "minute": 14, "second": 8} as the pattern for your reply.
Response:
{"hour": 2, "minute": 11, "second": 53}
